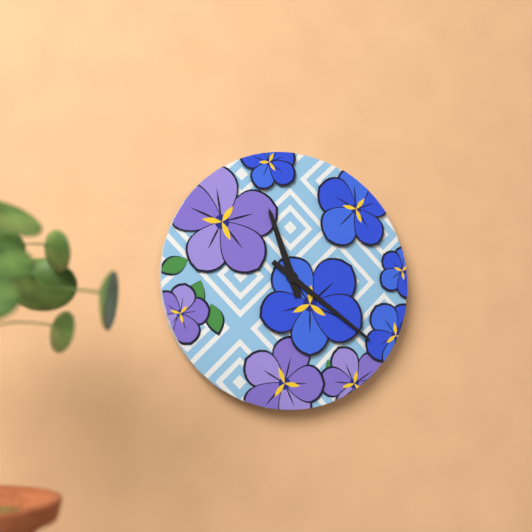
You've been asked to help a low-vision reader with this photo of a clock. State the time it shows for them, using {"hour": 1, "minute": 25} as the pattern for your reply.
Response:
{"hour": 11, "minute": 21}
